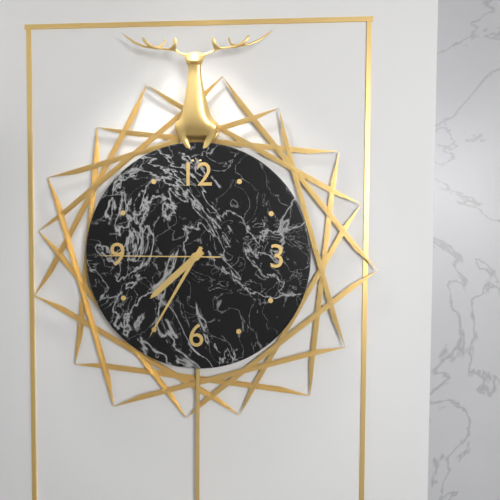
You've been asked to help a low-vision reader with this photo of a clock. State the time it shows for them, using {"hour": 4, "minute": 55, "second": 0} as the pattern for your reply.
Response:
{"hour": 7, "minute": 35, "second": 45}
